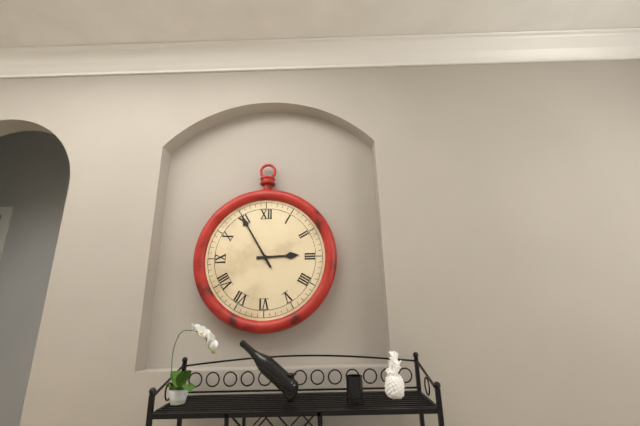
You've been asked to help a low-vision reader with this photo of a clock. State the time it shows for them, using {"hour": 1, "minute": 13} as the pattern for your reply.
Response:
{"hour": 2, "minute": 55}
